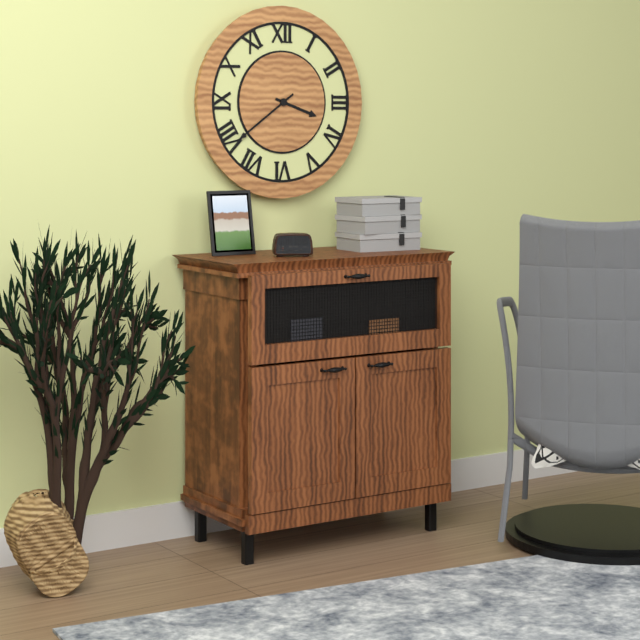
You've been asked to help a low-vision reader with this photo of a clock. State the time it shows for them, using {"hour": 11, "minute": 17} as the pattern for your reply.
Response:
{"hour": 3, "minute": 39}
